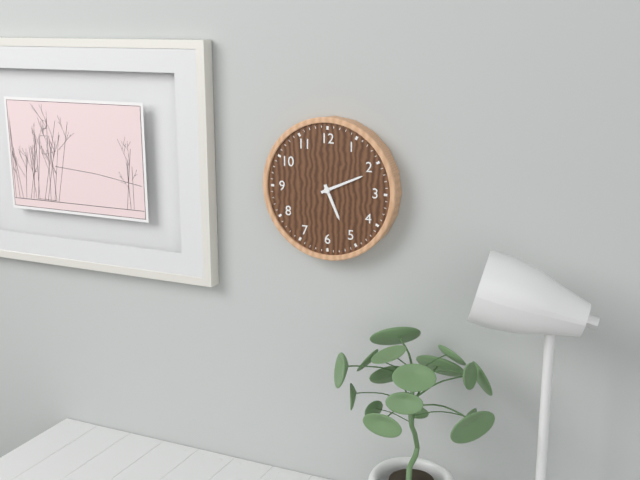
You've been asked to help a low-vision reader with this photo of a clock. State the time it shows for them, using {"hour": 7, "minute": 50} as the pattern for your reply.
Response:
{"hour": 5, "minute": 11}
